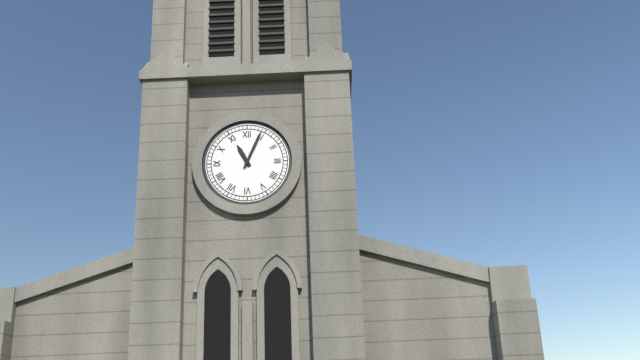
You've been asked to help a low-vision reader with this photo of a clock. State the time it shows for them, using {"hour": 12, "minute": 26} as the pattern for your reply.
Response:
{"hour": 11, "minute": 4}
